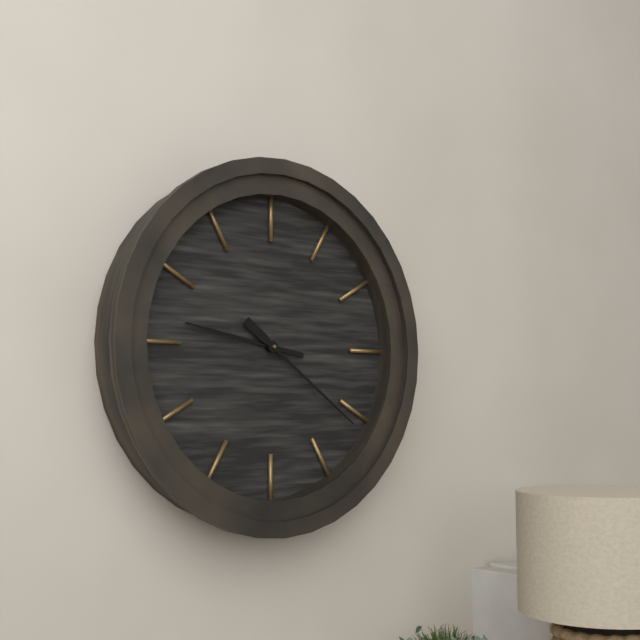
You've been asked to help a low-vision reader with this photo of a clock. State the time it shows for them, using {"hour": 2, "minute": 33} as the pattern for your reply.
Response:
{"hour": 9, "minute": 21}
